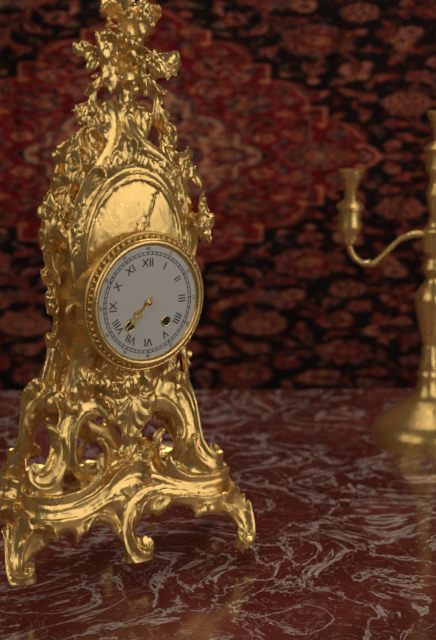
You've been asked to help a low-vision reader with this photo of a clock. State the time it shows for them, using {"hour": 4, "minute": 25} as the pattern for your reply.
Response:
{"hour": 7, "minute": 38}
